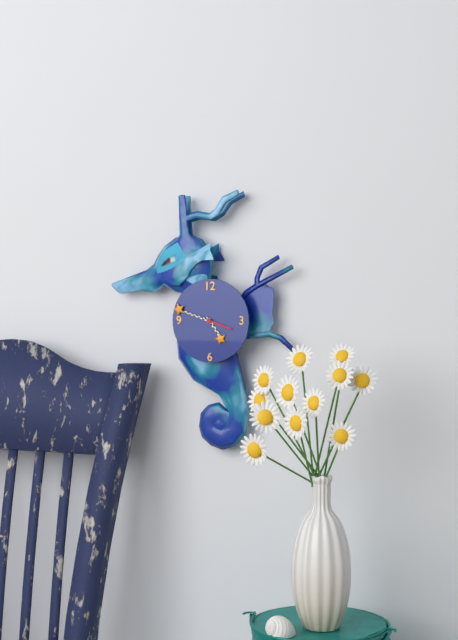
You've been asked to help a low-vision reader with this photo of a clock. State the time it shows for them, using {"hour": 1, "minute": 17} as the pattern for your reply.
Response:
{"hour": 4, "minute": 48}
